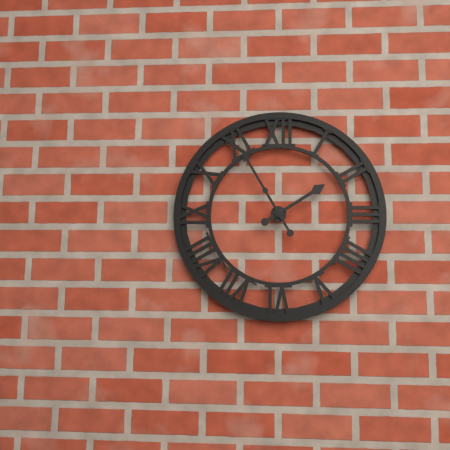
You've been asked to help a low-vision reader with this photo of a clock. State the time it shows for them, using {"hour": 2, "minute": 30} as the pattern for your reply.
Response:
{"hour": 1, "minute": 55}
